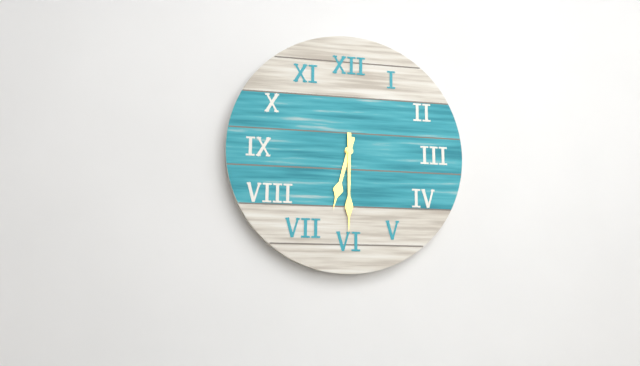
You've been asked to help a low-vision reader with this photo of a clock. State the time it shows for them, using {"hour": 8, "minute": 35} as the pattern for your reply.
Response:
{"hour": 6, "minute": 30}
